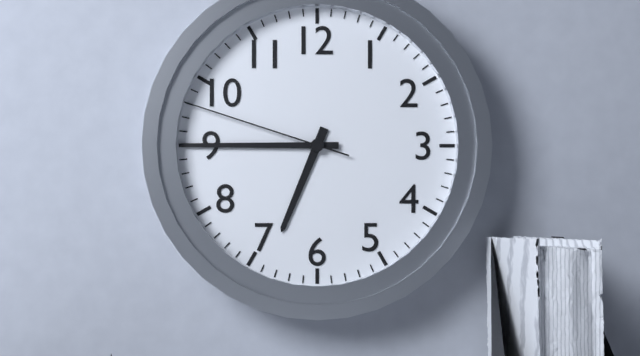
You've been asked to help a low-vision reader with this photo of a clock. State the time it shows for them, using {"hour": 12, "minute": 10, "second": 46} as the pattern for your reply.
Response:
{"hour": 6, "minute": 45, "second": 48}
